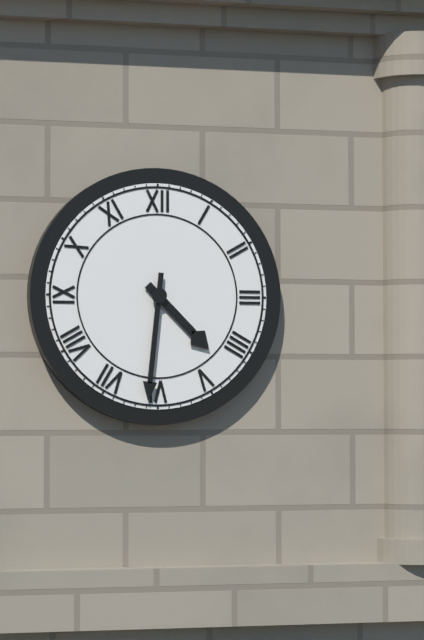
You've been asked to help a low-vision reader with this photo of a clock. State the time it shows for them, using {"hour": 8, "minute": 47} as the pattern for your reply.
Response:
{"hour": 4, "minute": 31}
